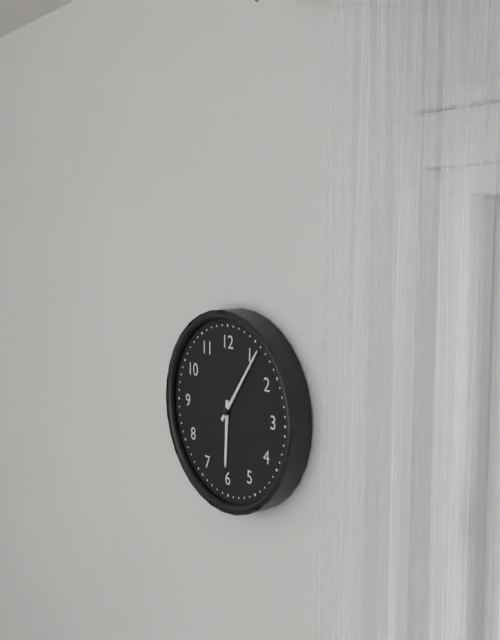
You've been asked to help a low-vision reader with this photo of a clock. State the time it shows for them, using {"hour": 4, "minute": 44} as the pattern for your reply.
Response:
{"hour": 6, "minute": 6}
